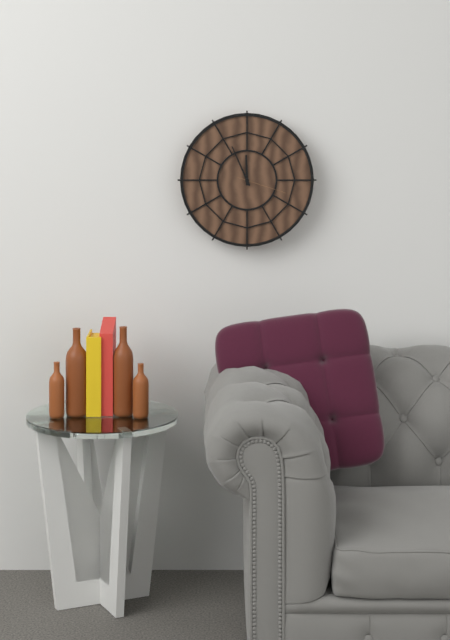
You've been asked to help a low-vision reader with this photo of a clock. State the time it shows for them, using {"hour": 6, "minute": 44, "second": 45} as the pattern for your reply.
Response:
{"hour": 11, "minute": 56, "second": 18}
